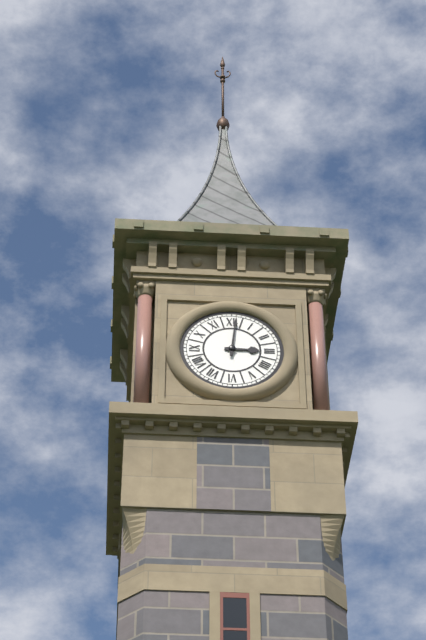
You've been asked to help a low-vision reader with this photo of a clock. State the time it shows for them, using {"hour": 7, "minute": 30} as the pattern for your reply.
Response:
{"hour": 3, "minute": 1}
